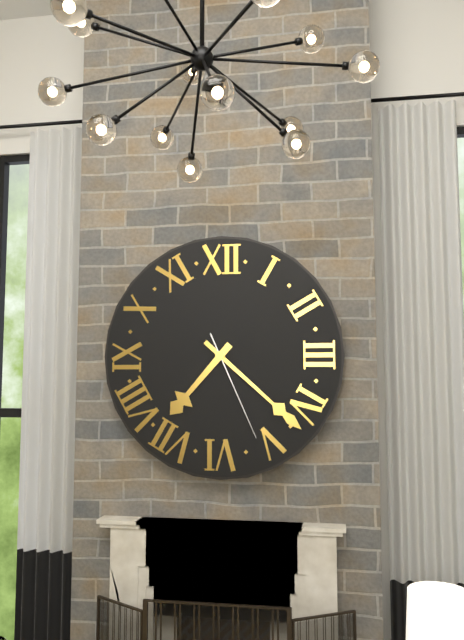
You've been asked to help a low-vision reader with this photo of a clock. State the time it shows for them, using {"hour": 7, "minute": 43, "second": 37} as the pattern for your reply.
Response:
{"hour": 7, "minute": 22, "second": 26}
